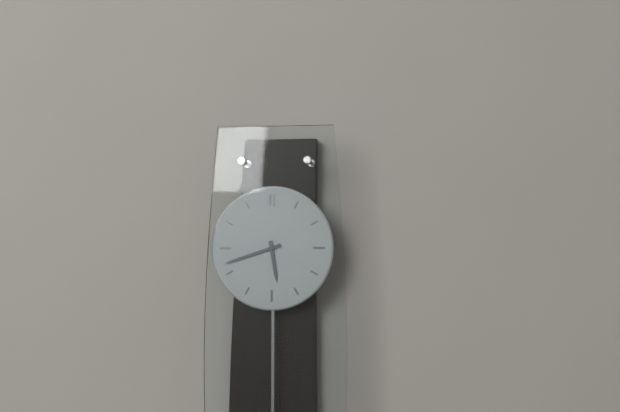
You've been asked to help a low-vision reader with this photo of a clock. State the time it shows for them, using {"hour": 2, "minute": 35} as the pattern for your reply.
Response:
{"hour": 5, "minute": 42}
